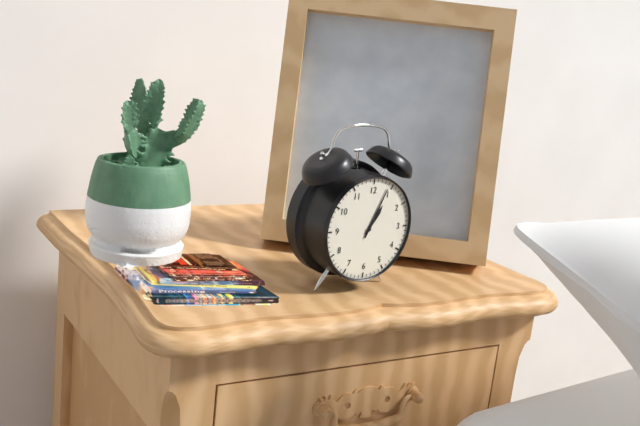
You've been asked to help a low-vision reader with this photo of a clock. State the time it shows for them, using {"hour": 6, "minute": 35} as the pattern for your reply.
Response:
{"hour": 1, "minute": 4}
